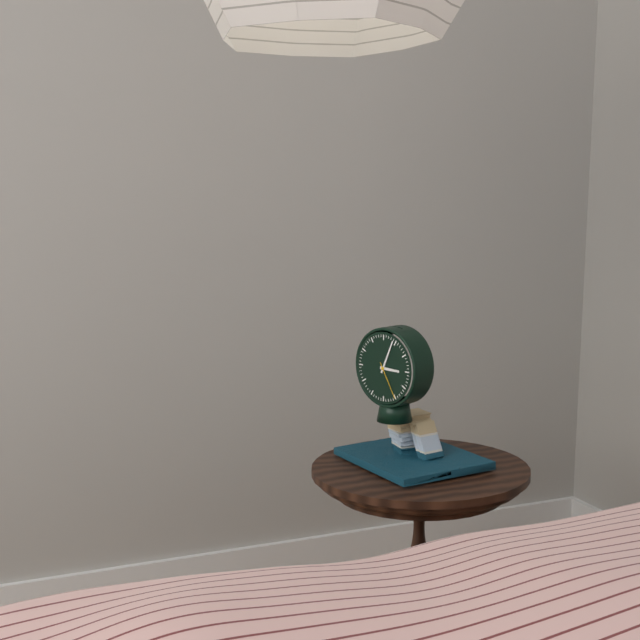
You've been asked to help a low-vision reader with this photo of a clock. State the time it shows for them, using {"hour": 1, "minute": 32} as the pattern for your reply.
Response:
{"hour": 3, "minute": 4}
